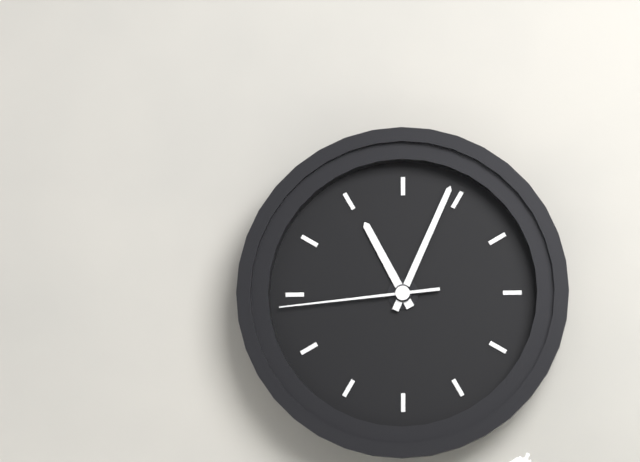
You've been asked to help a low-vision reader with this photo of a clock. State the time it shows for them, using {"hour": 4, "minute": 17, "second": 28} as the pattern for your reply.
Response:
{"hour": 11, "minute": 4, "second": 44}
